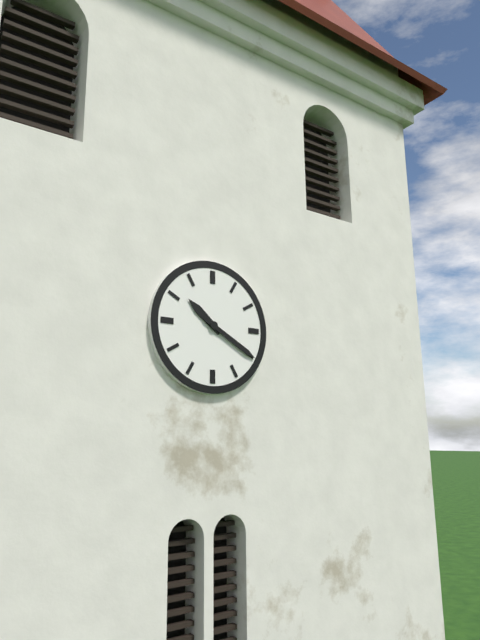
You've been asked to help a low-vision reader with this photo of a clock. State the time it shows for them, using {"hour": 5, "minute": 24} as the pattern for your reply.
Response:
{"hour": 10, "minute": 20}
